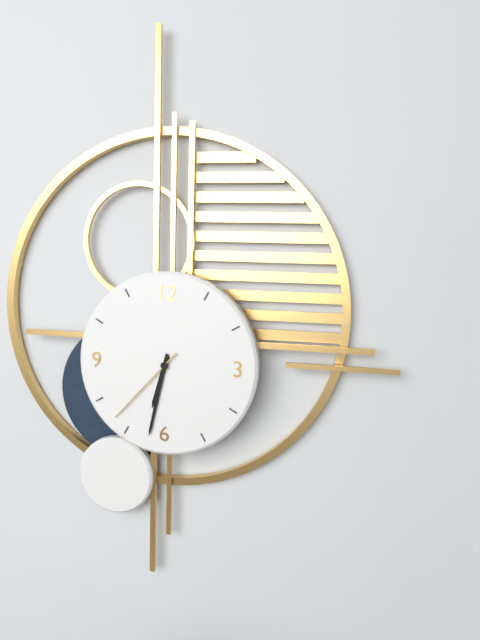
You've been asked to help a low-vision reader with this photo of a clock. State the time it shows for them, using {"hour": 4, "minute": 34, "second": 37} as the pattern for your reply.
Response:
{"hour": 6, "minute": 32, "second": 37}
